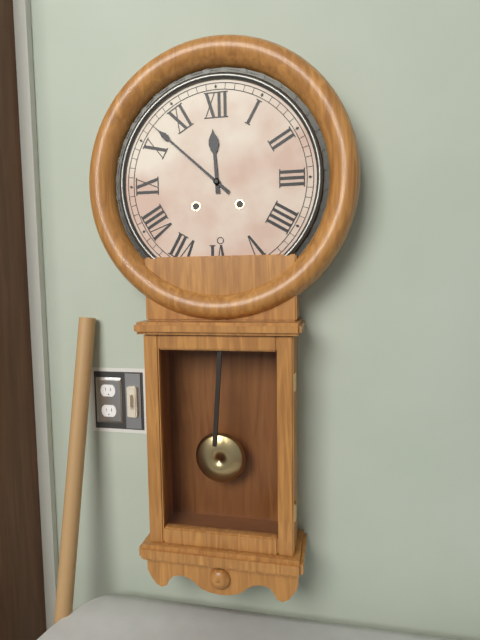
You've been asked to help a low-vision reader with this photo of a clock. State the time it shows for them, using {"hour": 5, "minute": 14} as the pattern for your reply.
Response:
{"hour": 11, "minute": 52}
